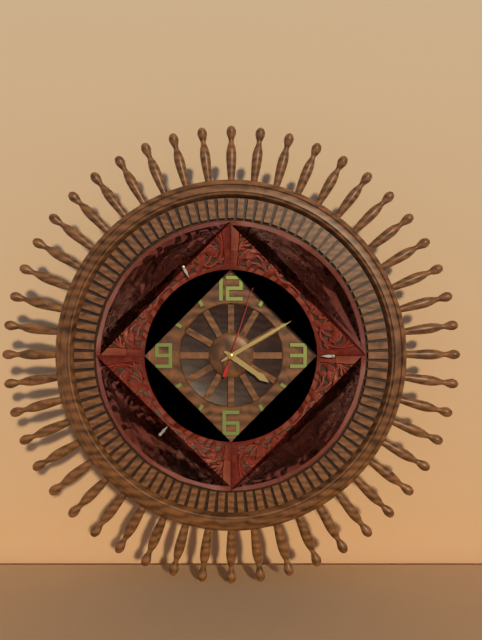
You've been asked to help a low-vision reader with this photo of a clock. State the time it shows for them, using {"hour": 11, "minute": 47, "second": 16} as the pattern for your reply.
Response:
{"hour": 4, "minute": 10, "second": 3}
